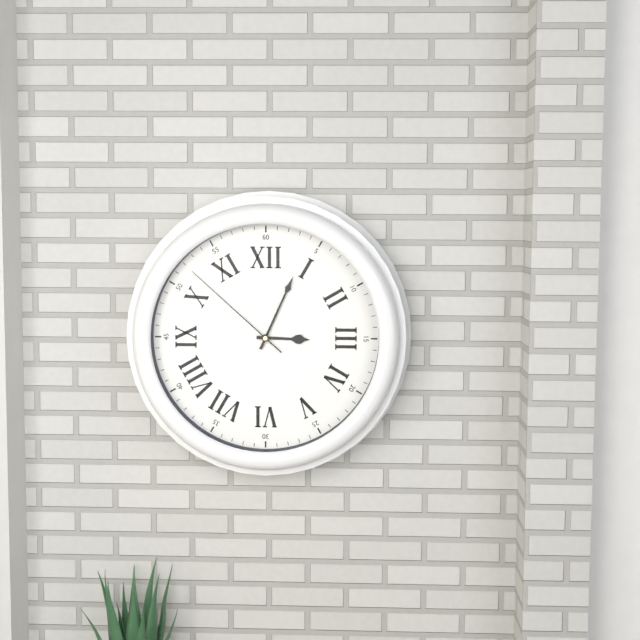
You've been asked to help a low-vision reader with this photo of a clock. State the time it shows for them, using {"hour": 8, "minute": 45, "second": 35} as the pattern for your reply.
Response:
{"hour": 3, "minute": 4, "second": 52}
